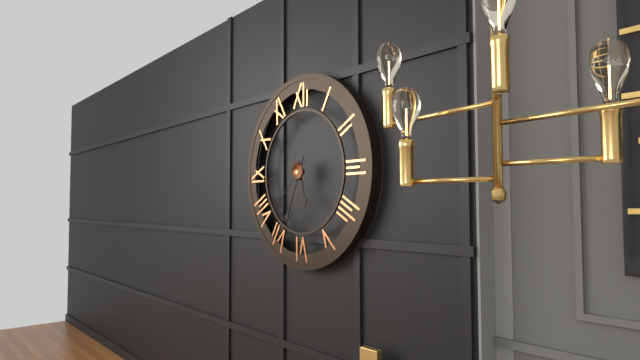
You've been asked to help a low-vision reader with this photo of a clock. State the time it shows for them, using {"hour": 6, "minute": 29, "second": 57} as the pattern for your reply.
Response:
{"hour": 5, "minute": 34, "second": 38}
